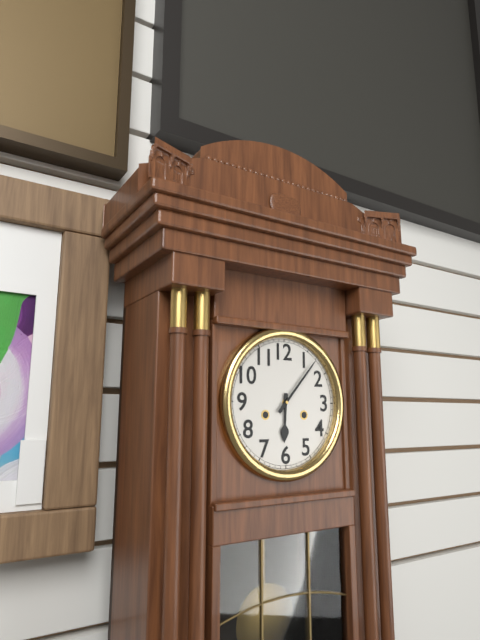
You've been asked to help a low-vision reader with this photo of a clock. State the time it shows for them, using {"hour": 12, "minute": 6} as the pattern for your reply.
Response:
{"hour": 6, "minute": 7}
